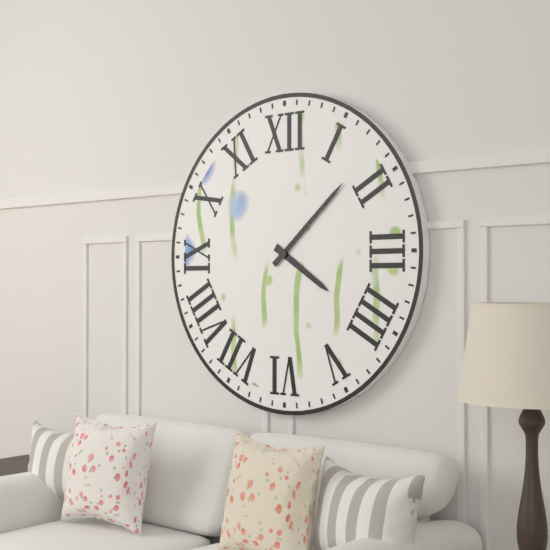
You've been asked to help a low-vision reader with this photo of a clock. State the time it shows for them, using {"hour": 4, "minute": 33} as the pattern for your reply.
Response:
{"hour": 4, "minute": 8}
